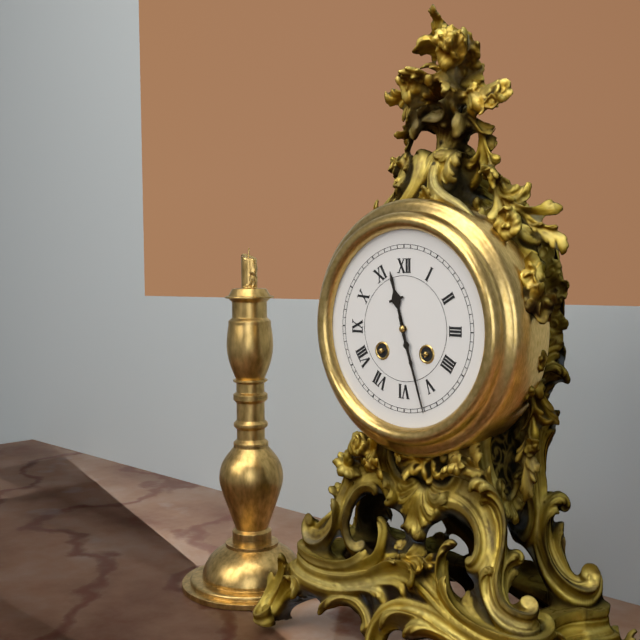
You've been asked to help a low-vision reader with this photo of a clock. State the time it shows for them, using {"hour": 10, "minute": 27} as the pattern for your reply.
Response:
{"hour": 11, "minute": 27}
